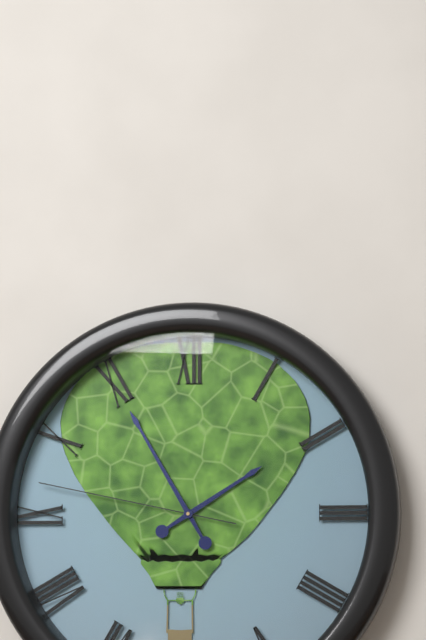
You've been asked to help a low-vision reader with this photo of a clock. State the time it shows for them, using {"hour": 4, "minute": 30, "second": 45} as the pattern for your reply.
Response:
{"hour": 1, "minute": 55, "second": 47}
